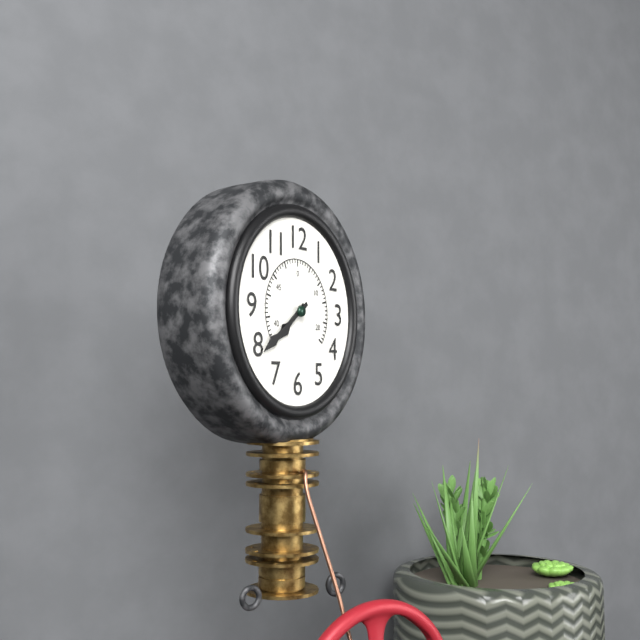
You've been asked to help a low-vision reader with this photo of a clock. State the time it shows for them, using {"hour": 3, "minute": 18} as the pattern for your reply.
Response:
{"hour": 7, "minute": 39}
